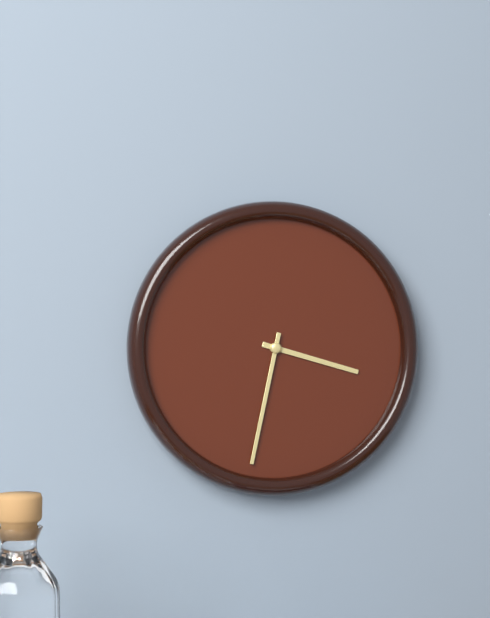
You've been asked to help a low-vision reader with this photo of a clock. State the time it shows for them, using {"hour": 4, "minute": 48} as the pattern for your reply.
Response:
{"hour": 3, "minute": 32}
